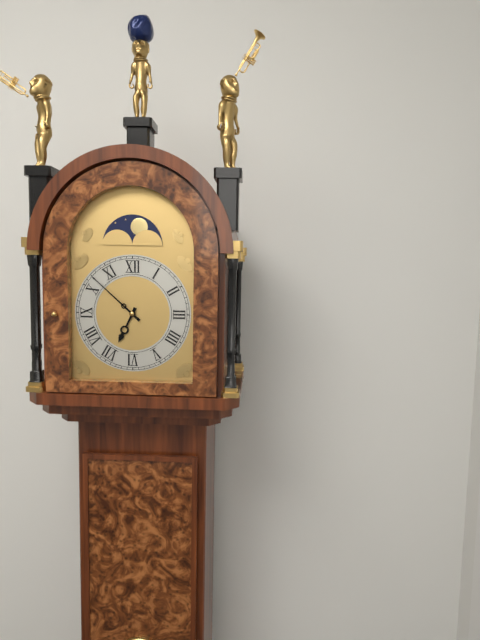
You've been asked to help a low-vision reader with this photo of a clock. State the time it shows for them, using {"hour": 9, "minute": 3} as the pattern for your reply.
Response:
{"hour": 6, "minute": 52}
